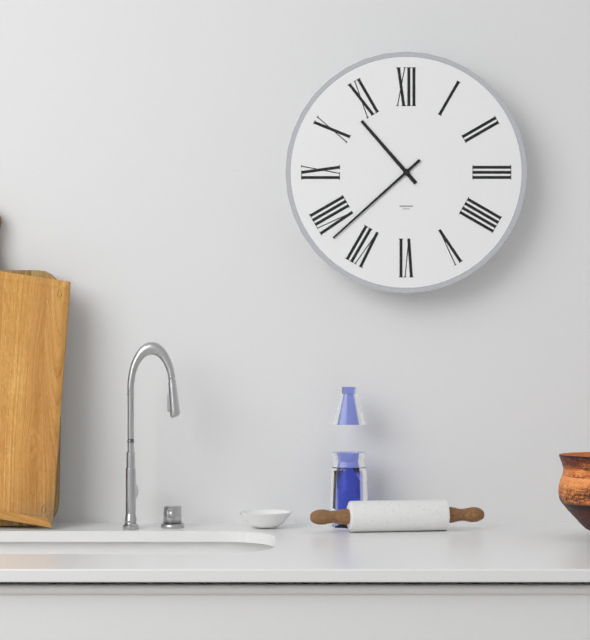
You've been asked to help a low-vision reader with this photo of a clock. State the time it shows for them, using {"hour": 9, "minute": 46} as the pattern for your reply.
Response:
{"hour": 10, "minute": 38}
